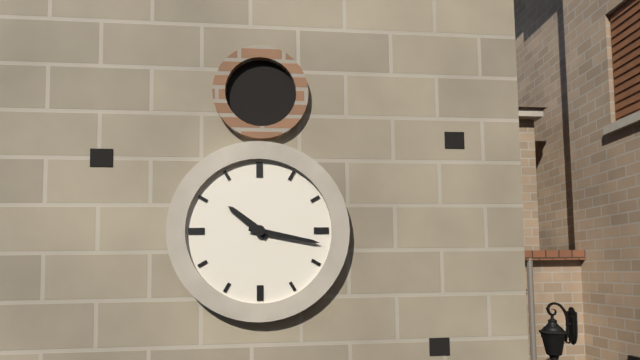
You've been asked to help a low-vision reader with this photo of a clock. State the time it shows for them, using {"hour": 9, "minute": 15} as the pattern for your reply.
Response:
{"hour": 10, "minute": 17}
